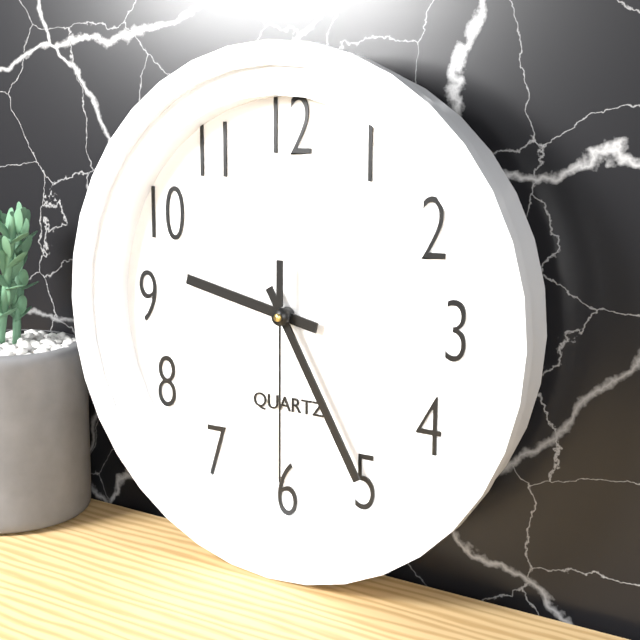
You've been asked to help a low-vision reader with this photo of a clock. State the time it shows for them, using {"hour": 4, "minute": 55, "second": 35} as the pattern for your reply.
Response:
{"hour": 9, "minute": 25, "second": 30}
